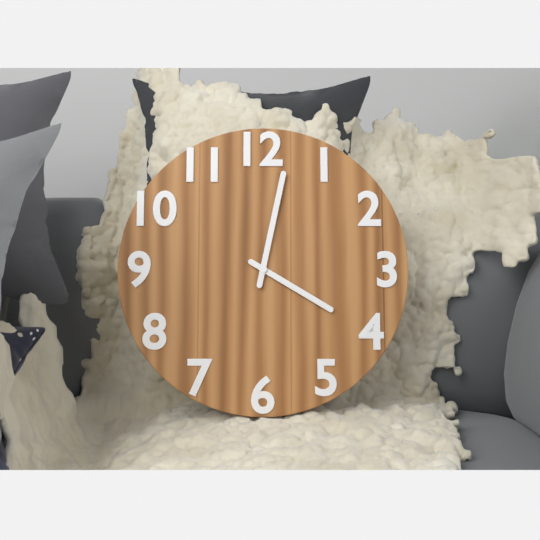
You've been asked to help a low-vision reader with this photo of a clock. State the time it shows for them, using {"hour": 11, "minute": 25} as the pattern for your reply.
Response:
{"hour": 4, "minute": 2}
